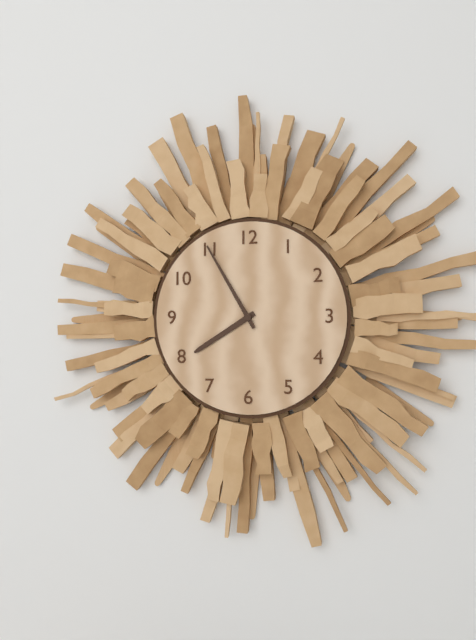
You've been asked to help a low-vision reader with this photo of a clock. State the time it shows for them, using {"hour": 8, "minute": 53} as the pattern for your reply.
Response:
{"hour": 7, "minute": 55}
